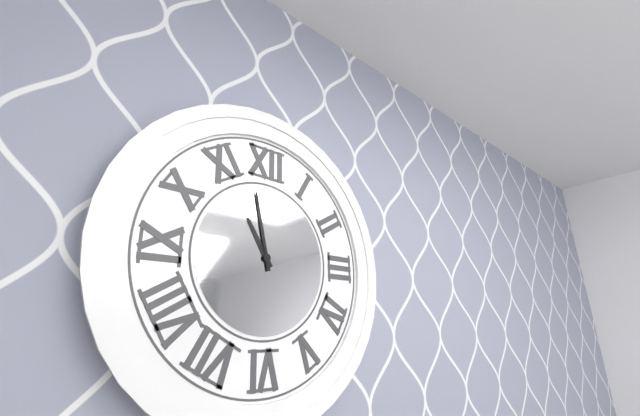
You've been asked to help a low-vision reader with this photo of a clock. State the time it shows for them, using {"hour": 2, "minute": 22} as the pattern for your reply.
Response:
{"hour": 10, "minute": 58}
